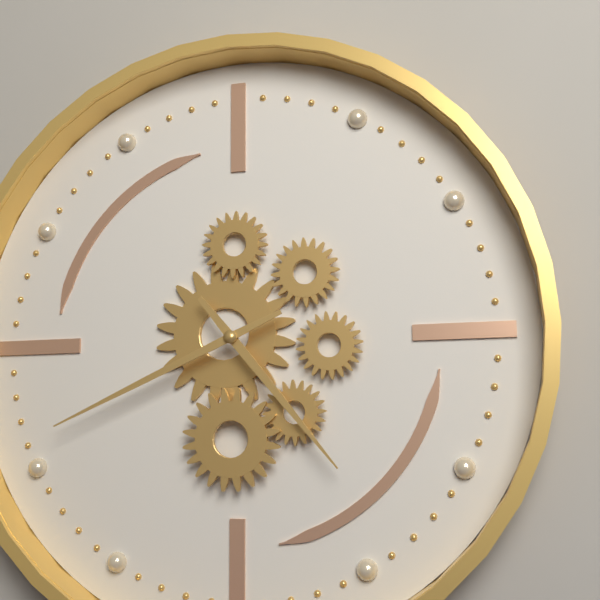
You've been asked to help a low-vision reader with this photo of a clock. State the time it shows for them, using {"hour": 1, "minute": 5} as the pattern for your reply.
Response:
{"hour": 4, "minute": 41}
